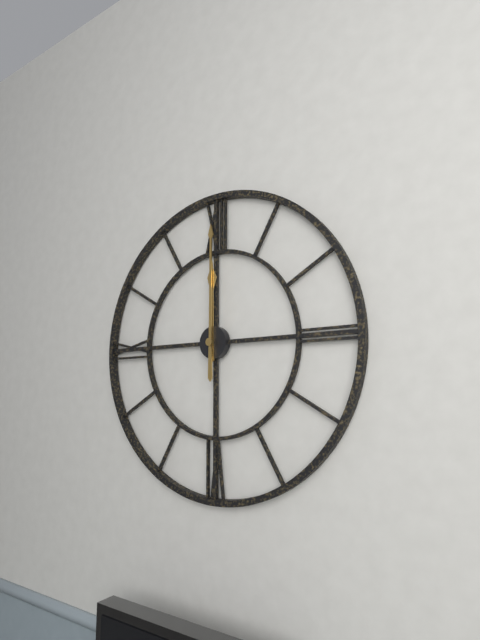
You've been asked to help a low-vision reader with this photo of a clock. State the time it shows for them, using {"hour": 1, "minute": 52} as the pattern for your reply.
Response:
{"hour": 12, "minute": 0}
